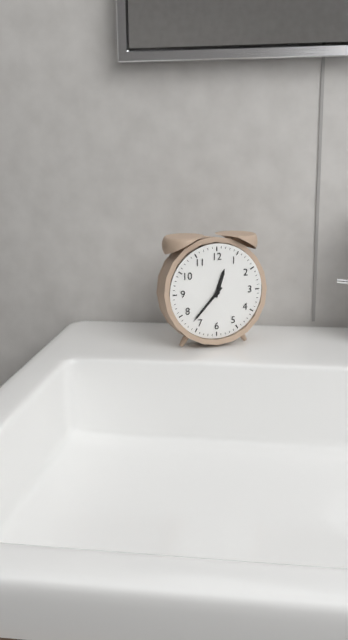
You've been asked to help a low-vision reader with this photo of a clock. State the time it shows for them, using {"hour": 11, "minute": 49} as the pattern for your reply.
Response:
{"hour": 12, "minute": 37}
